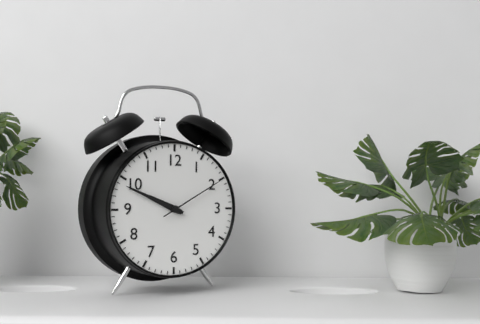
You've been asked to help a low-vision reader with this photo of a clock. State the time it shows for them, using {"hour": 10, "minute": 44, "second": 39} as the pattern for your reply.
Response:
{"hour": 9, "minute": 49, "second": 10}
